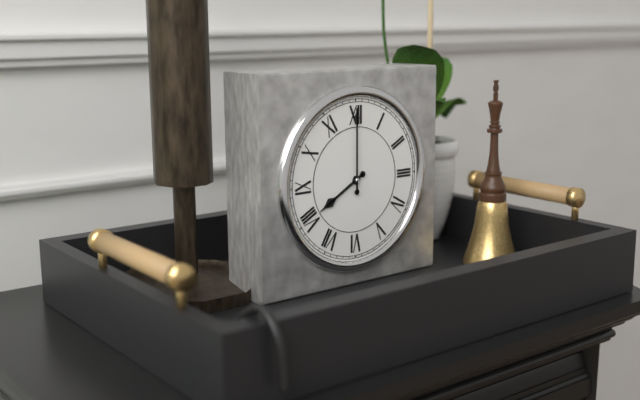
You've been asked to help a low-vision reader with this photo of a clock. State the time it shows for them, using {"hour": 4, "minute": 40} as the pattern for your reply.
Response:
{"hour": 8, "minute": 0}
